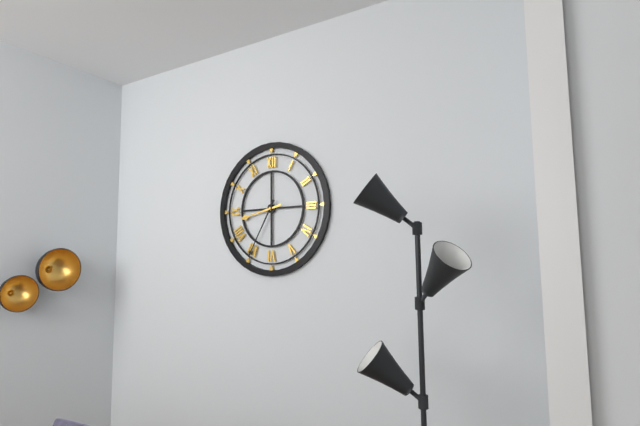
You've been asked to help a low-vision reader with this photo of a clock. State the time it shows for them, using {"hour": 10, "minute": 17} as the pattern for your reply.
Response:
{"hour": 8, "minute": 35}
